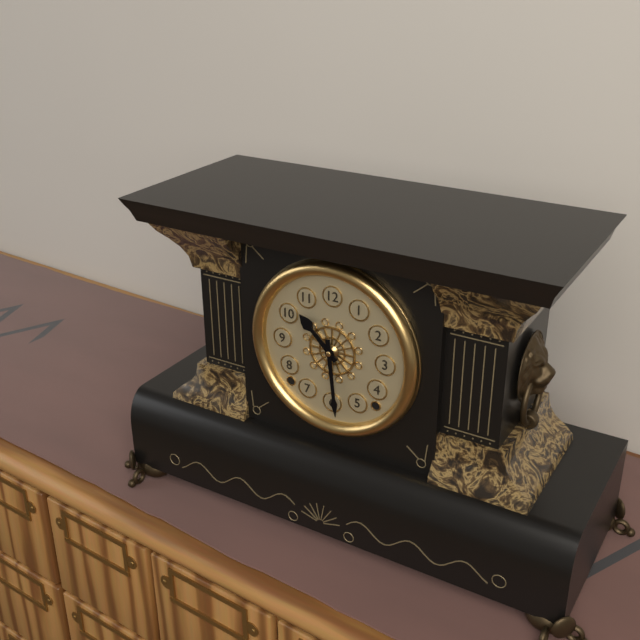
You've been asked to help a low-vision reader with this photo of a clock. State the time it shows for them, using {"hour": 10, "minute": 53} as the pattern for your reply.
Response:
{"hour": 10, "minute": 29}
